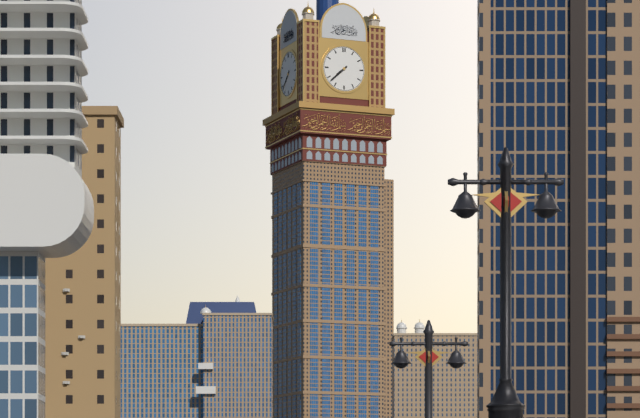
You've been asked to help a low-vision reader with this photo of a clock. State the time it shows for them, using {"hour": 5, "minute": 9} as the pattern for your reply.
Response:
{"hour": 7, "minute": 38}
